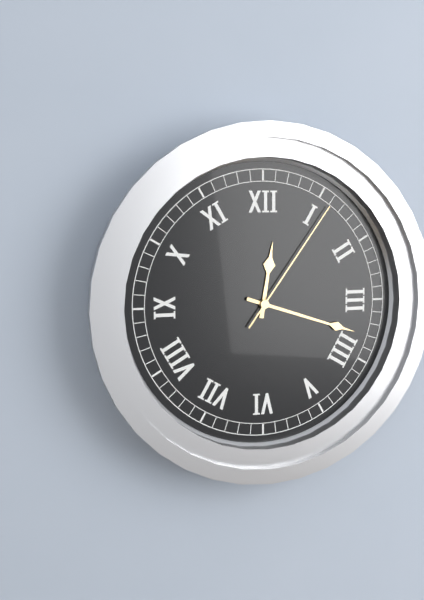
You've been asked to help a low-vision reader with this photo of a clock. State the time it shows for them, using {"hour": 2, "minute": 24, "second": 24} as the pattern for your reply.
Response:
{"hour": 12, "minute": 18, "second": 6}
